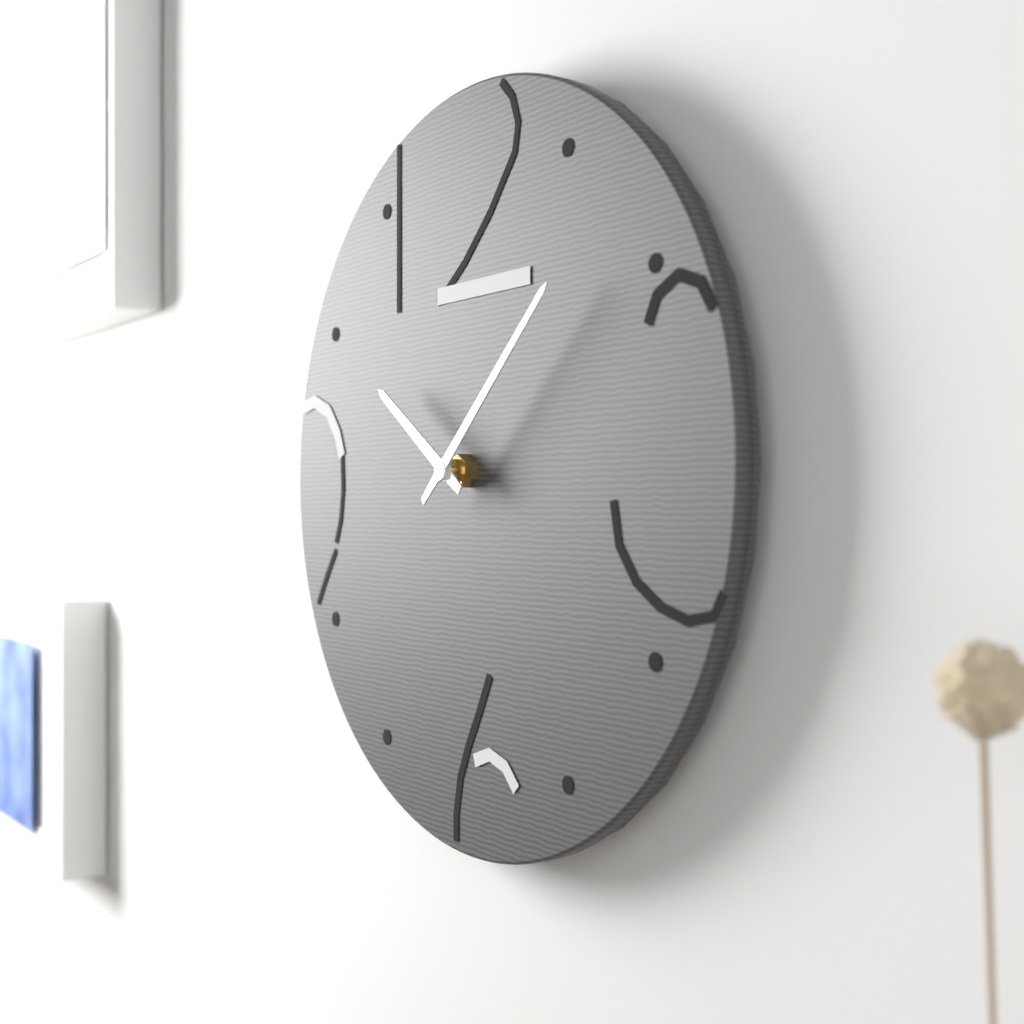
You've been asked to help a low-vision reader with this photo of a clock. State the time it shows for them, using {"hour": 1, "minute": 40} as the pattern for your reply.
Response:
{"hour": 10, "minute": 8}
